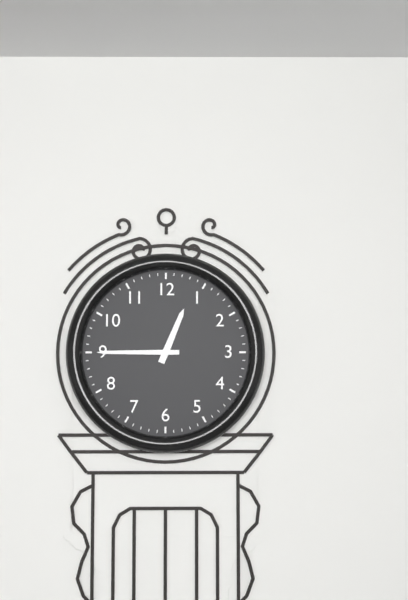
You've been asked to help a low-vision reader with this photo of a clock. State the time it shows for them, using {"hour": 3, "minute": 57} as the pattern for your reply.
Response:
{"hour": 12, "minute": 45}
